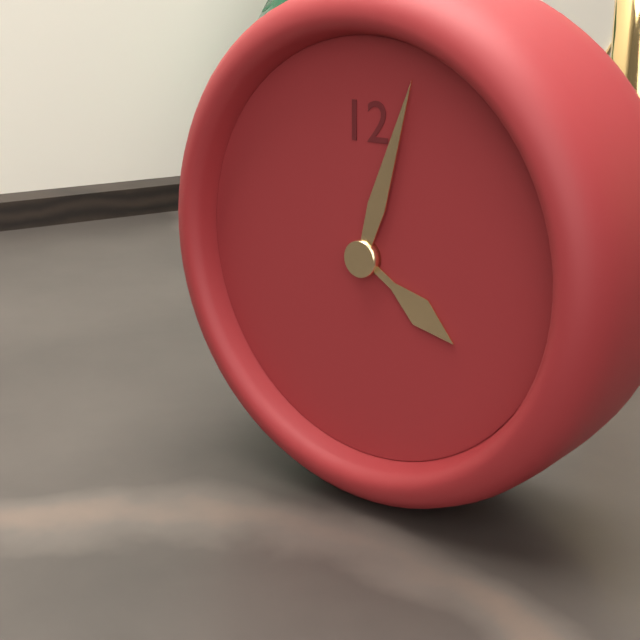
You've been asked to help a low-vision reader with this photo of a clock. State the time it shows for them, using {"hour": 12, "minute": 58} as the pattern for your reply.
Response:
{"hour": 4, "minute": 3}
